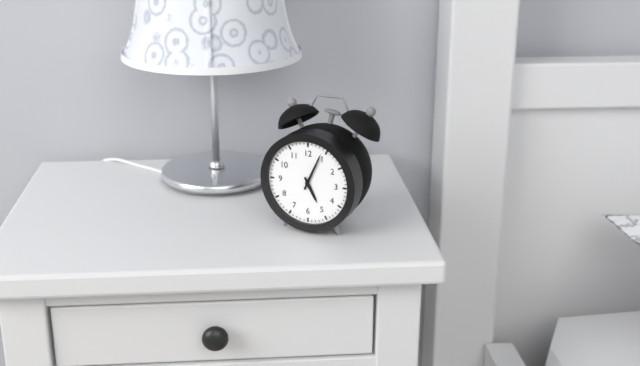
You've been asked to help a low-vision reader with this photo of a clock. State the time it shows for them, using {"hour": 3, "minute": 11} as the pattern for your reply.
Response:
{"hour": 5, "minute": 4}
